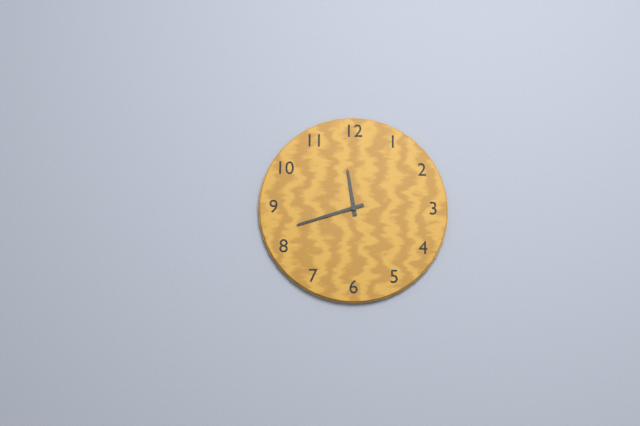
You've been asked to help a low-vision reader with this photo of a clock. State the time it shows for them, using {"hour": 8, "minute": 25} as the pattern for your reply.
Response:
{"hour": 11, "minute": 42}
